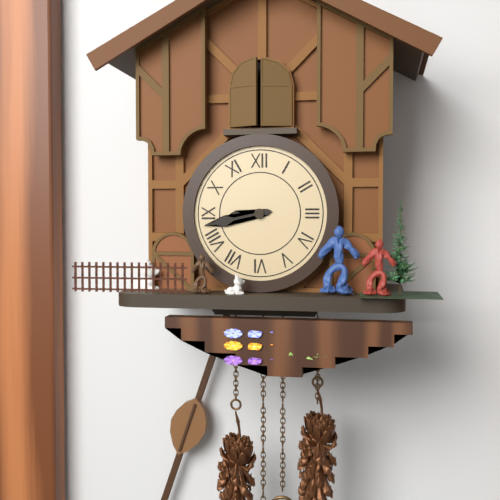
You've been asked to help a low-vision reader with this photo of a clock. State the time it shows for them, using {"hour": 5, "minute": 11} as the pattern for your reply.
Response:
{"hour": 8, "minute": 43}
